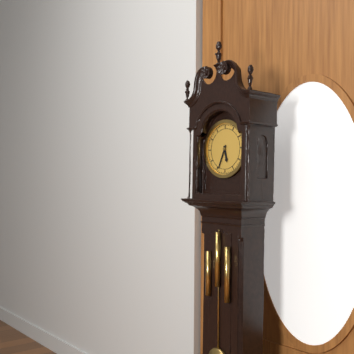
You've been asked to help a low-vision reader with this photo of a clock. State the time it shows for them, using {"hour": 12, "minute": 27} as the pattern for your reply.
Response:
{"hour": 5, "minute": 34}
